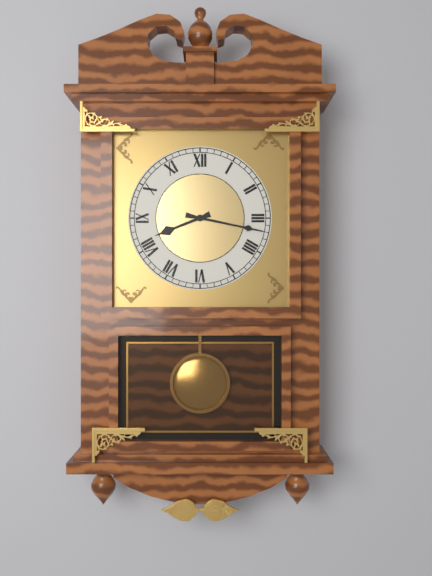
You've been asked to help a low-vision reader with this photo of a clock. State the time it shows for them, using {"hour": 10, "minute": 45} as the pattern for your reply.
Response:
{"hour": 8, "minute": 17}
